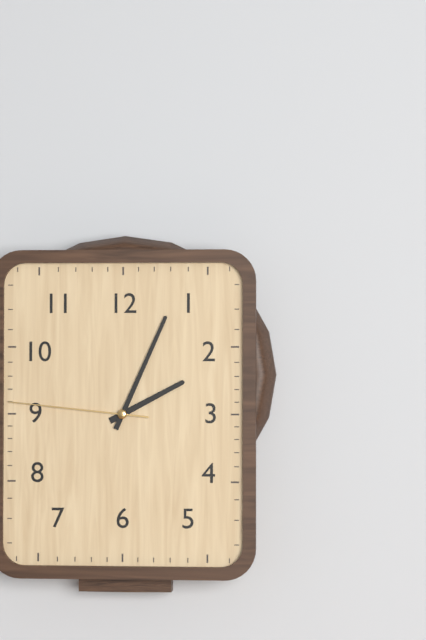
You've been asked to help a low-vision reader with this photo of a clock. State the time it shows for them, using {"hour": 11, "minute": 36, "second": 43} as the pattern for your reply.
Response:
{"hour": 2, "minute": 4, "second": 46}
